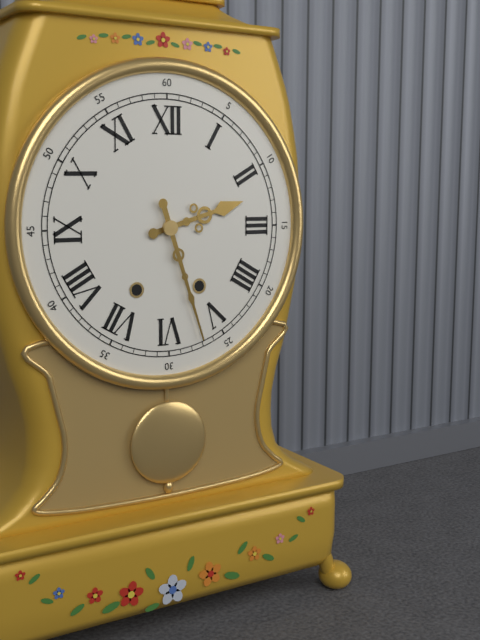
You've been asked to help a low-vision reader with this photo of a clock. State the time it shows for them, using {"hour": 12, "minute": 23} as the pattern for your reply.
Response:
{"hour": 2, "minute": 27}
